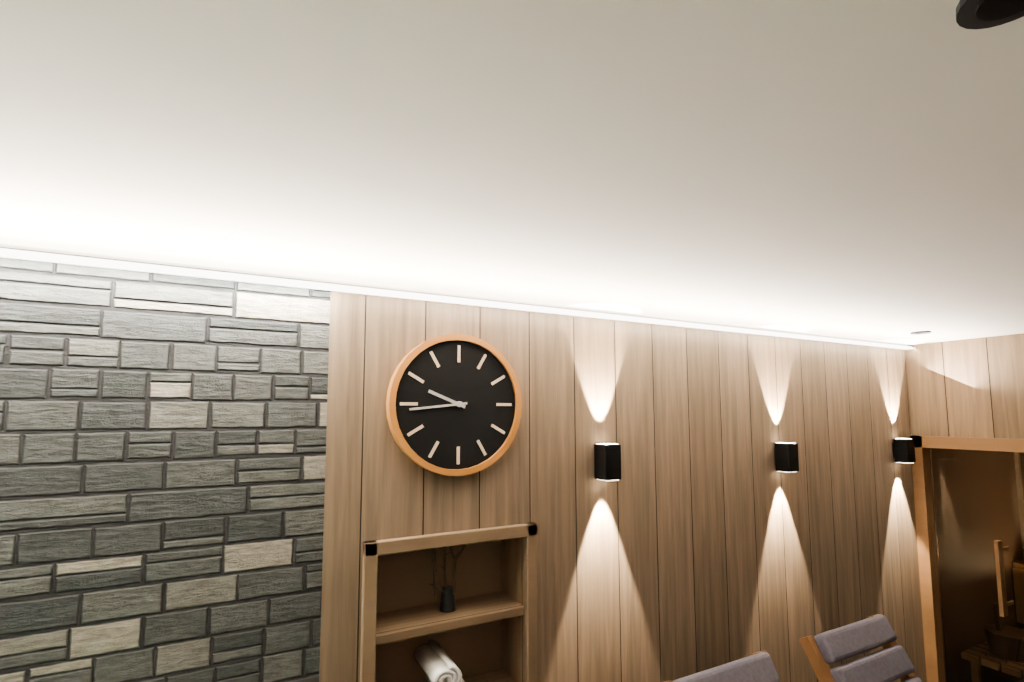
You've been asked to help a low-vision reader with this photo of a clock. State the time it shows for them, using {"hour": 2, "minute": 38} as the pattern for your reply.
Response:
{"hour": 9, "minute": 44}
